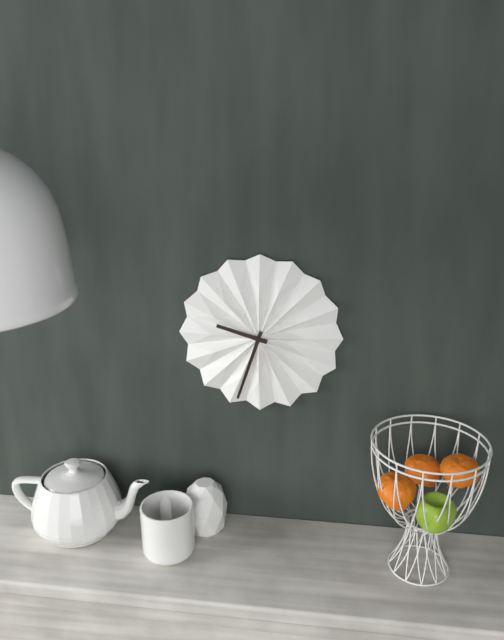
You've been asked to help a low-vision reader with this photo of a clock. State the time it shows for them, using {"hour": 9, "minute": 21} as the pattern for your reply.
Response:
{"hour": 9, "minute": 33}
